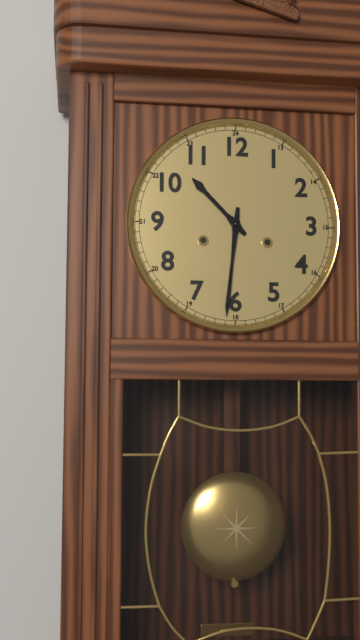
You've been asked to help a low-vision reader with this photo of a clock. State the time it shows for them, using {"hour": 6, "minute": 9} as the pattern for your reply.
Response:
{"hour": 10, "minute": 31}
